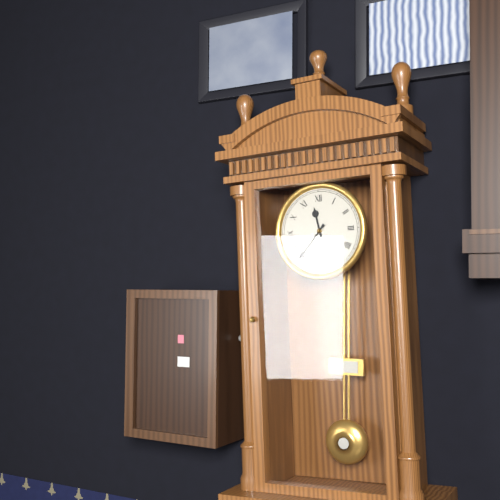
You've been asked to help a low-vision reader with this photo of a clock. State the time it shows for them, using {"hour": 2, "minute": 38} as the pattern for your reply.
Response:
{"hour": 11, "minute": 37}
